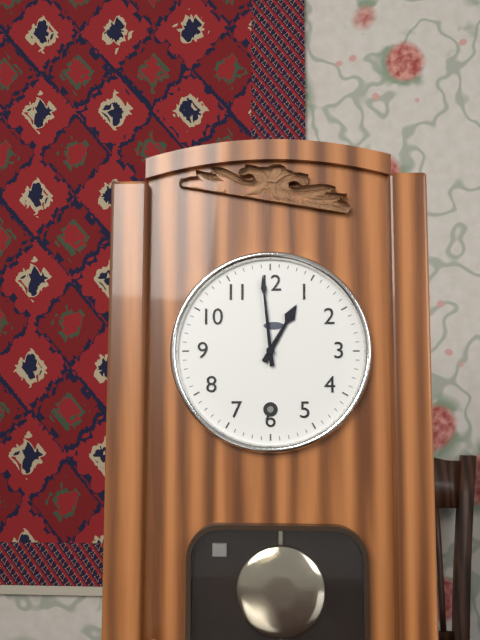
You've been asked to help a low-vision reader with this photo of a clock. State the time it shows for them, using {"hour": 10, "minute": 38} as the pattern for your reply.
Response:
{"hour": 12, "minute": 59}
